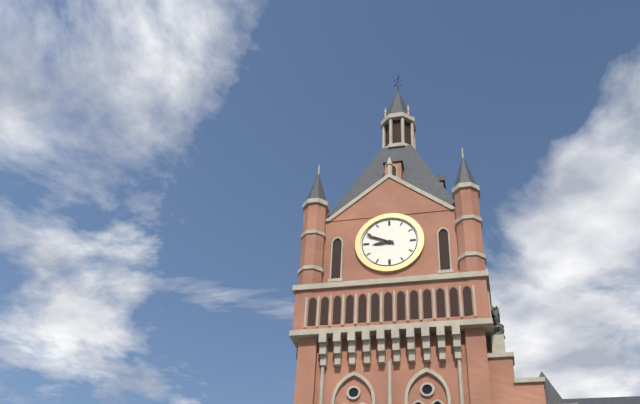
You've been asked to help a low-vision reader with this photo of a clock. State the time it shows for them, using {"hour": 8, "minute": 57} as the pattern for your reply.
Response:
{"hour": 8, "minute": 49}
